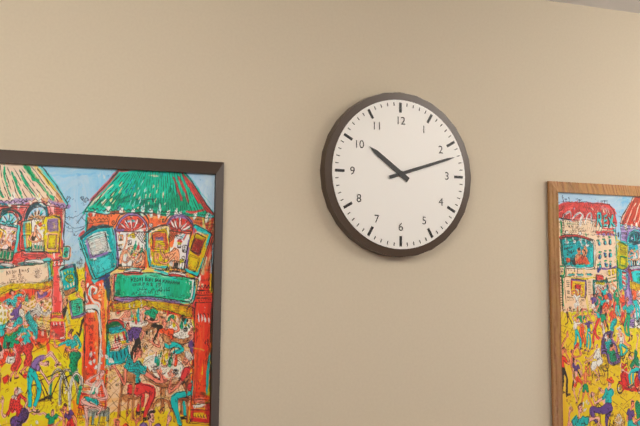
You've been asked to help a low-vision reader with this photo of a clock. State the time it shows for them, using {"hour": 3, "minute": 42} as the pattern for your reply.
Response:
{"hour": 10, "minute": 12}
